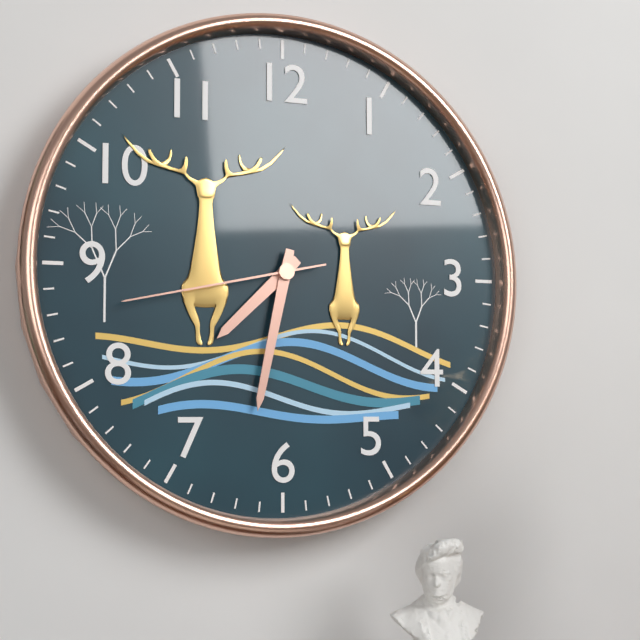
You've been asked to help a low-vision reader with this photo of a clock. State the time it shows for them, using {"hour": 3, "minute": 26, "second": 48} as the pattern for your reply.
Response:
{"hour": 7, "minute": 32, "second": 43}
